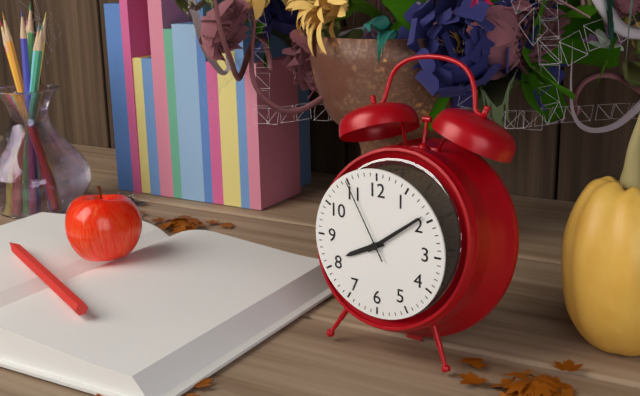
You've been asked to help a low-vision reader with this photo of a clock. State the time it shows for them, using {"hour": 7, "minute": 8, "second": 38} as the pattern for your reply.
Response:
{"hour": 8, "minute": 9, "second": 55}
